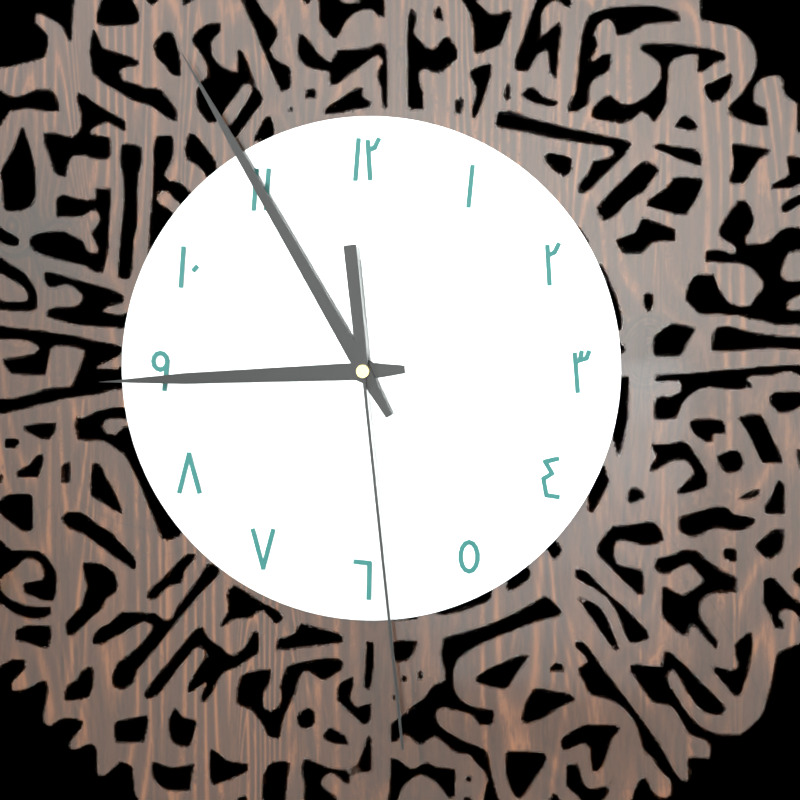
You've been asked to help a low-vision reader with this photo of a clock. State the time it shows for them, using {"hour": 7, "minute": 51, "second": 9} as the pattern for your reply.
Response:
{"hour": 8, "minute": 55, "second": 29}
